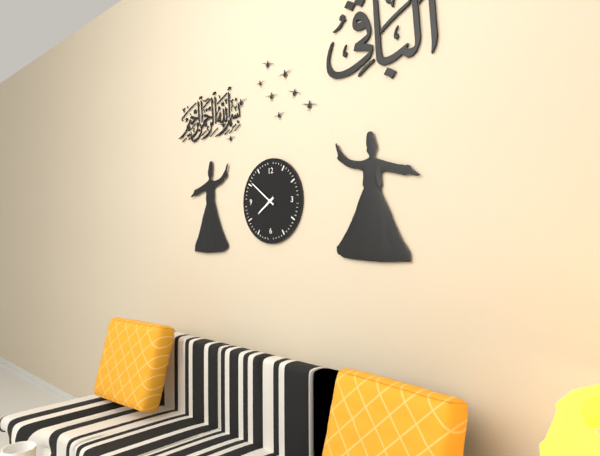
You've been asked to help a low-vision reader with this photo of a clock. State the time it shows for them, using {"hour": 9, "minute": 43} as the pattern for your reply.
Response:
{"hour": 7, "minute": 51}
